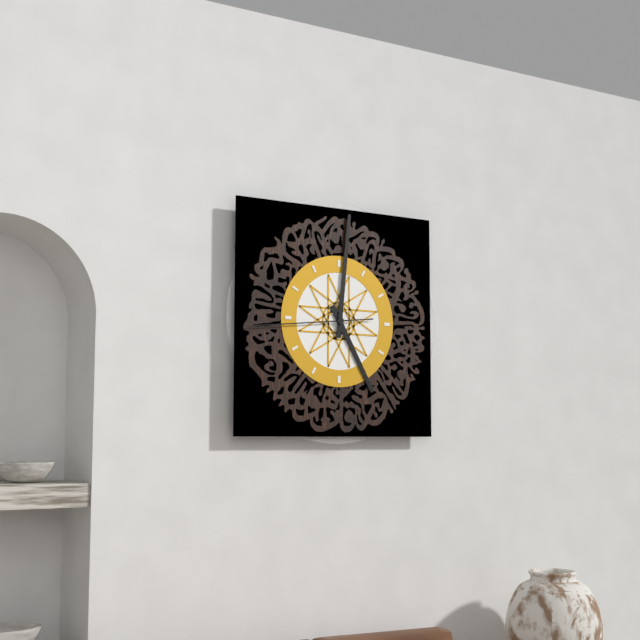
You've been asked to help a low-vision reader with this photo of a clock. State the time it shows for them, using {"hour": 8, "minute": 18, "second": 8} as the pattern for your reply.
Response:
{"hour": 5, "minute": 1, "second": 44}
